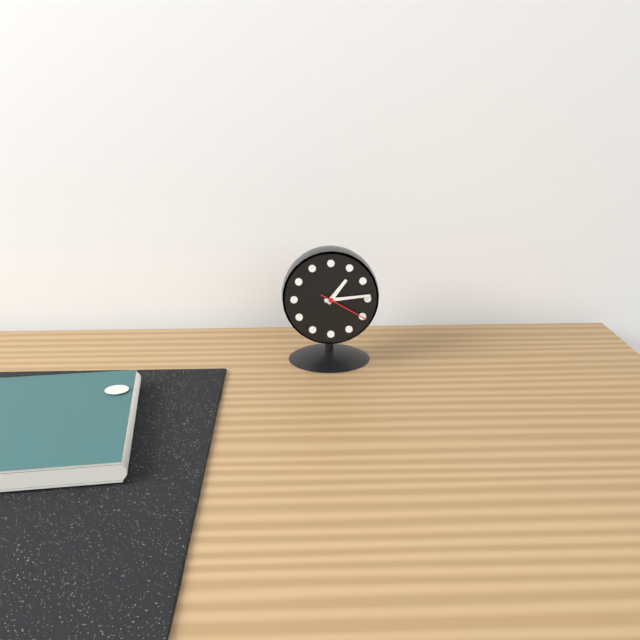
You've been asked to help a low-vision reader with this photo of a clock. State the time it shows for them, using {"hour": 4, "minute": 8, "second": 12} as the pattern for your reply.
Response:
{"hour": 1, "minute": 14, "second": 20}
